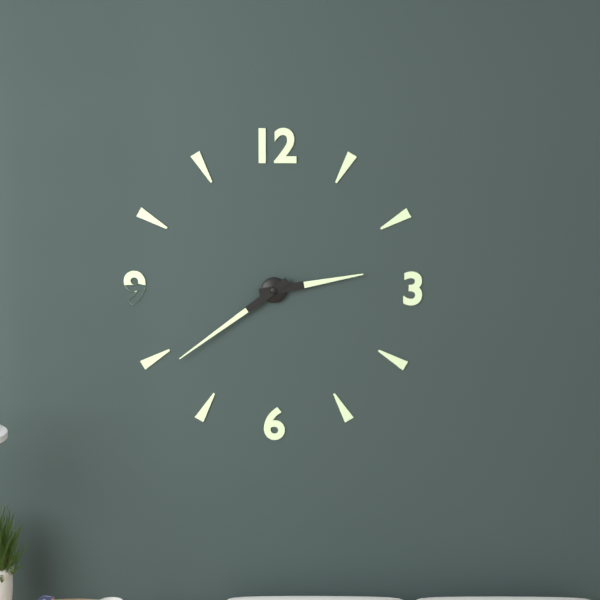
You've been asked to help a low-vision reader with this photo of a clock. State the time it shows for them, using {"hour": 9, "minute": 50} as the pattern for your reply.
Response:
{"hour": 2, "minute": 39}
